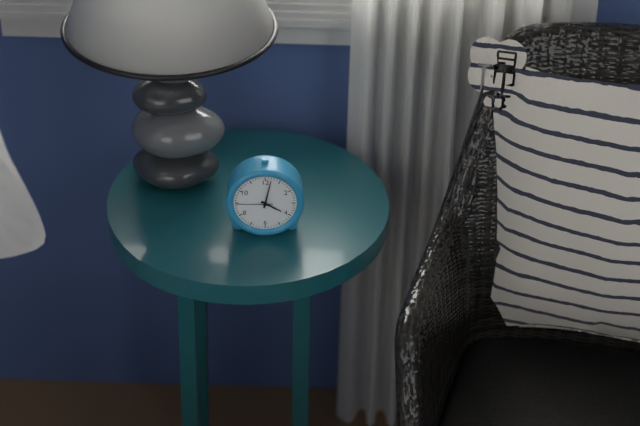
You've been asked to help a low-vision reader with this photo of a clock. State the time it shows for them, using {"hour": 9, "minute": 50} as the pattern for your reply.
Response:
{"hour": 4, "minute": 2}
